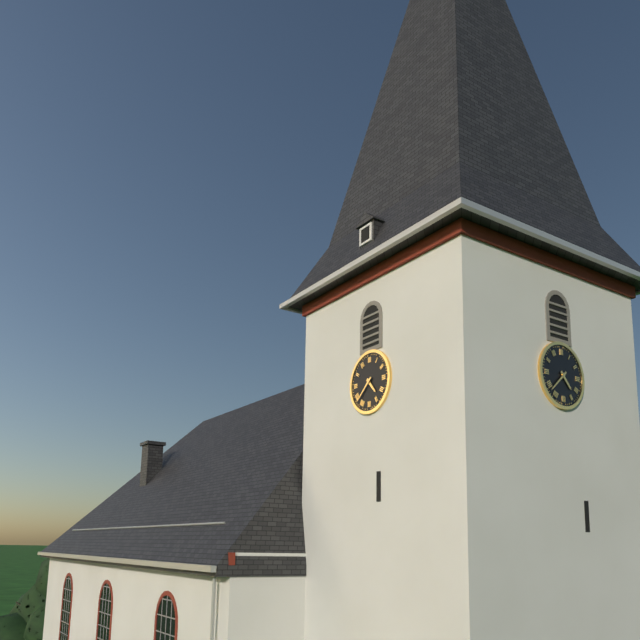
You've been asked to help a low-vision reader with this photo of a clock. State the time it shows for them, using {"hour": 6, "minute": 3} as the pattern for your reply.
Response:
{"hour": 4, "minute": 38}
